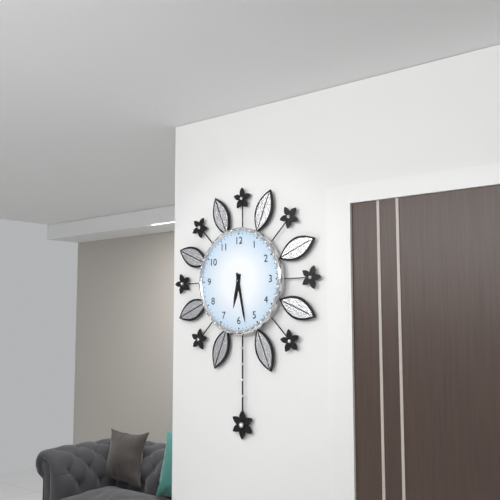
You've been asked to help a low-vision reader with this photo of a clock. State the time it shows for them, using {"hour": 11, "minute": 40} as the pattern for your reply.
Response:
{"hour": 6, "minute": 28}
